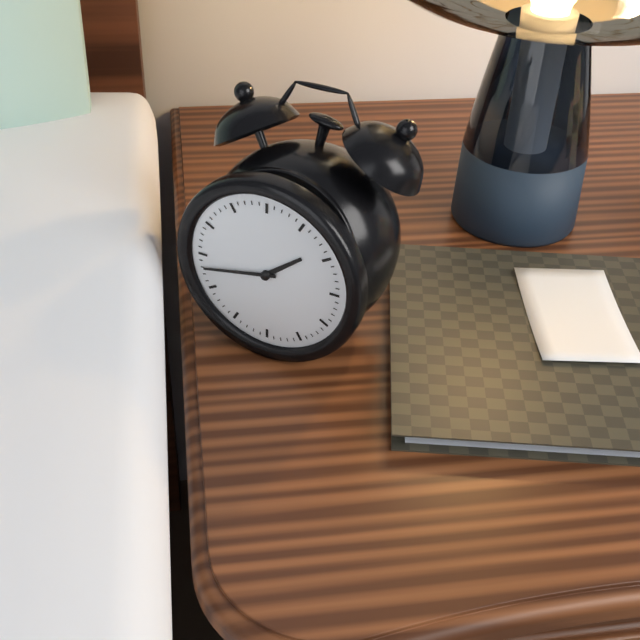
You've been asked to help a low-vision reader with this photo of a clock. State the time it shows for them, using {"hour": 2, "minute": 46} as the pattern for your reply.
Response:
{"hour": 1, "minute": 43}
